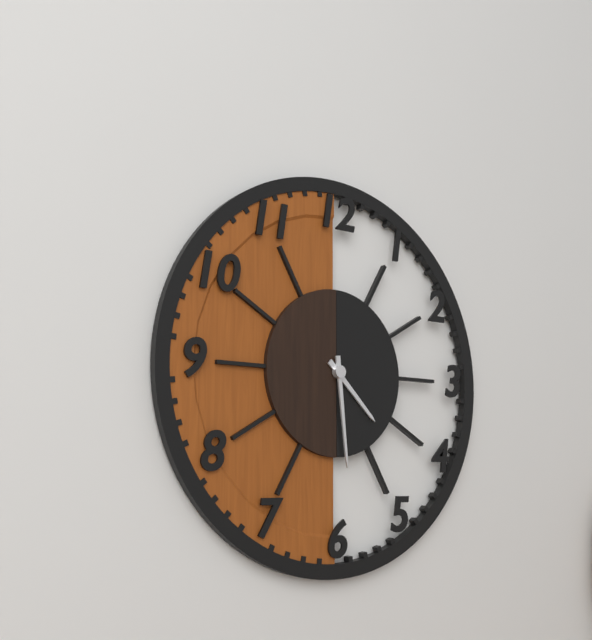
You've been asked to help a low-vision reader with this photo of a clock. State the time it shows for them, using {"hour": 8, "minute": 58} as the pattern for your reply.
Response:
{"hour": 4, "minute": 29}
